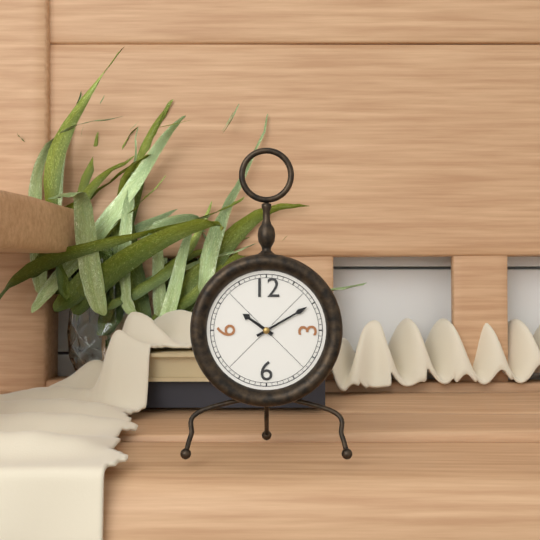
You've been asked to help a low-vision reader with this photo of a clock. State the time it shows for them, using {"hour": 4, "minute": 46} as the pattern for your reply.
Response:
{"hour": 10, "minute": 10}
